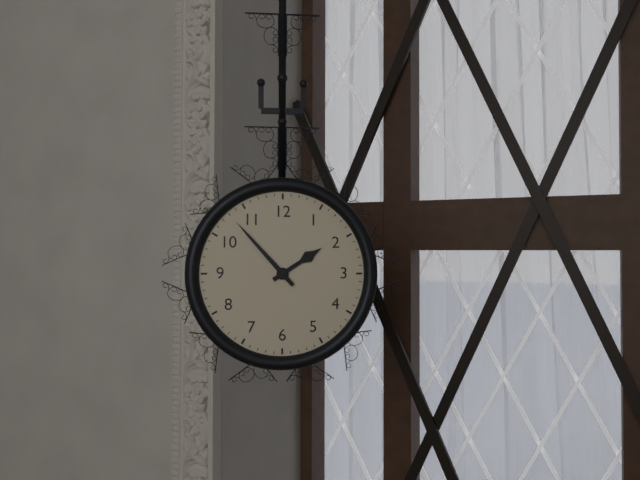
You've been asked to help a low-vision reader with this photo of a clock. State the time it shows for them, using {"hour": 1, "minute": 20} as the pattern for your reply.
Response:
{"hour": 1, "minute": 53}
